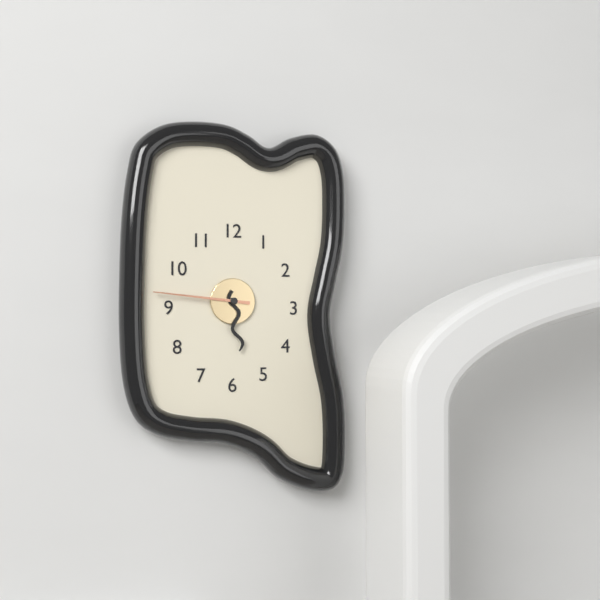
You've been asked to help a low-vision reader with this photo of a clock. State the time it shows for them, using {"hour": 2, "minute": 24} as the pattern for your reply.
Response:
{"hour": 5, "minute": 46}
